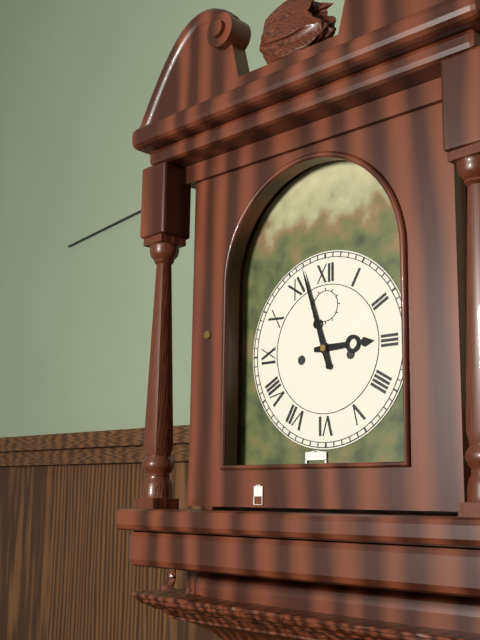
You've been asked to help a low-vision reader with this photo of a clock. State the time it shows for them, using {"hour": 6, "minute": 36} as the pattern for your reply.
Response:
{"hour": 2, "minute": 57}
